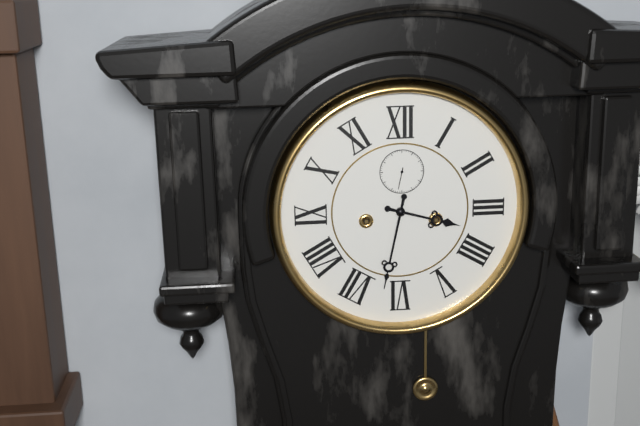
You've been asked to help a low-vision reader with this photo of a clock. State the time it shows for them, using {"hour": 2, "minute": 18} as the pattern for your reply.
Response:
{"hour": 3, "minute": 32}
